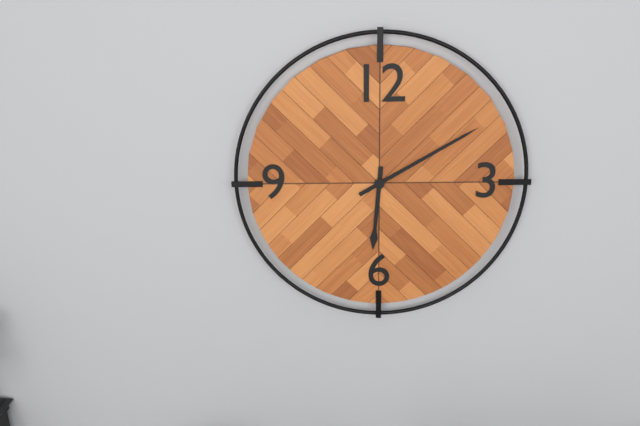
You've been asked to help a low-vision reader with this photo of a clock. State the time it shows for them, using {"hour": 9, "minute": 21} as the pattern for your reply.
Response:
{"hour": 6, "minute": 10}
